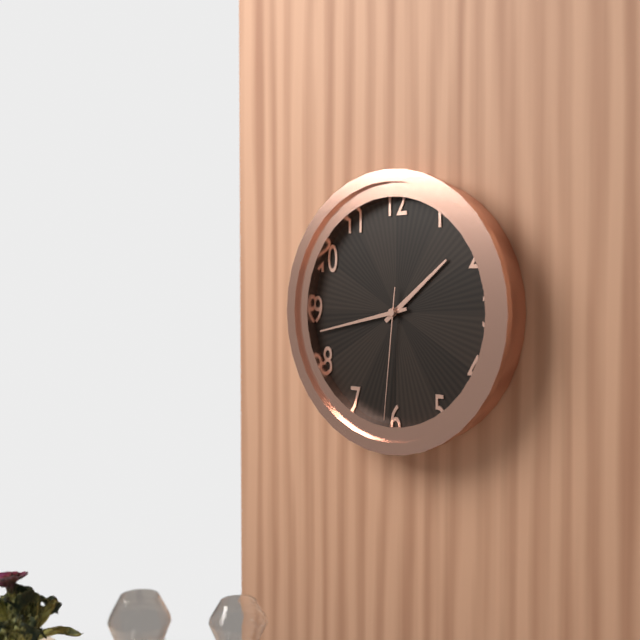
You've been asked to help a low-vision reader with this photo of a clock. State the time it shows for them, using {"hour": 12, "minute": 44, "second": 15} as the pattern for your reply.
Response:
{"hour": 1, "minute": 43, "second": 31}
